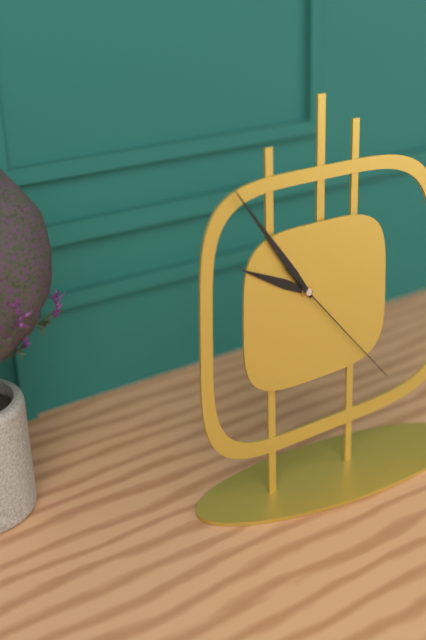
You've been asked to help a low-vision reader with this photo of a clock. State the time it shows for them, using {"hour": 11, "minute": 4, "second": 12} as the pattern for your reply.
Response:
{"hour": 9, "minute": 54, "second": 23}
